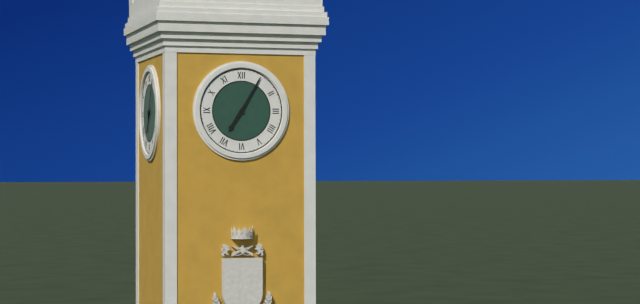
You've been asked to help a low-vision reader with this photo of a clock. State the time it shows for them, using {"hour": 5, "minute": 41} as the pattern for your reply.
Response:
{"hour": 7, "minute": 5}
